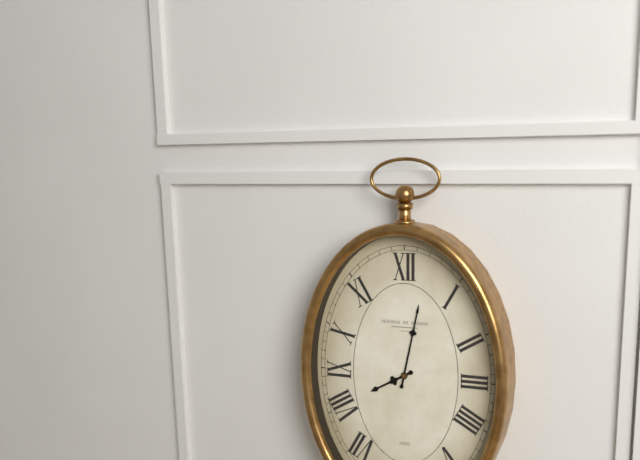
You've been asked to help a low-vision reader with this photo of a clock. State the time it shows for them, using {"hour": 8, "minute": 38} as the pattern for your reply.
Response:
{"hour": 8, "minute": 2}
